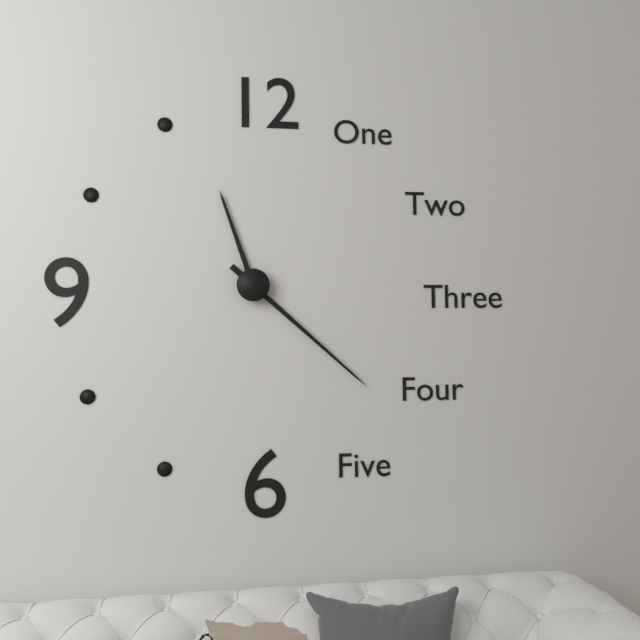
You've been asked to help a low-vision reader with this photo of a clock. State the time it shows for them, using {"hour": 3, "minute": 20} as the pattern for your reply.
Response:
{"hour": 11, "minute": 22}
